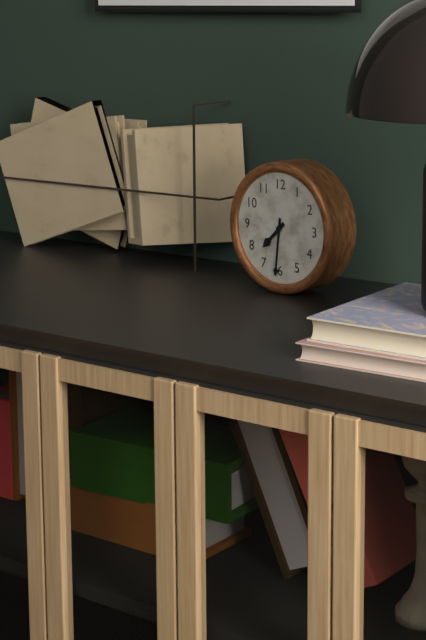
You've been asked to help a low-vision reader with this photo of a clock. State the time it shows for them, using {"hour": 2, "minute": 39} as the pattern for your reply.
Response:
{"hour": 7, "minute": 31}
